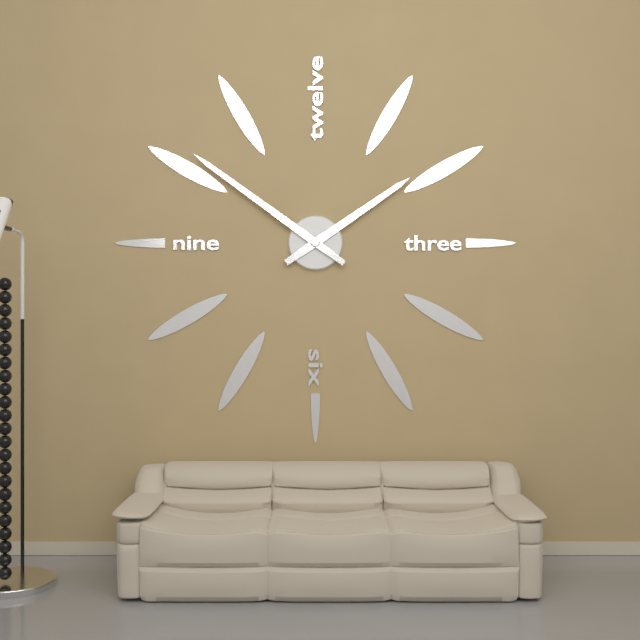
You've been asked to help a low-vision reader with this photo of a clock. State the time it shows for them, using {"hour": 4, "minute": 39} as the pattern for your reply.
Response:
{"hour": 1, "minute": 51}
